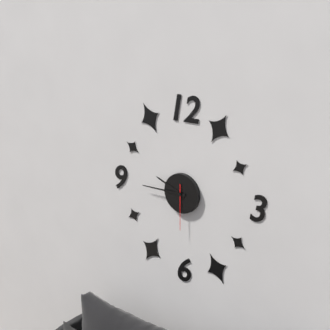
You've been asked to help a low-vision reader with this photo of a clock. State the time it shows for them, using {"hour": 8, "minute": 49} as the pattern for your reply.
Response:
{"hour": 9, "minute": 45}
